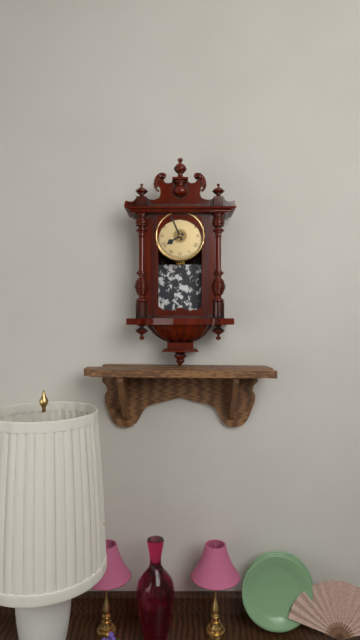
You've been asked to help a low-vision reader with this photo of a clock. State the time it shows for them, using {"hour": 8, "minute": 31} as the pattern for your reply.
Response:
{"hour": 7, "minute": 56}
